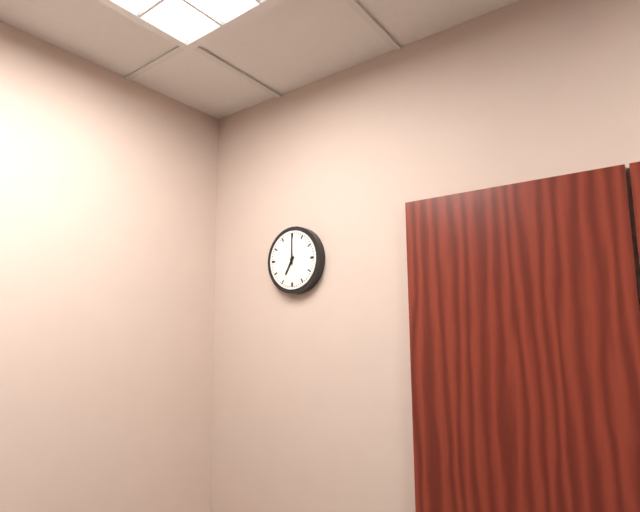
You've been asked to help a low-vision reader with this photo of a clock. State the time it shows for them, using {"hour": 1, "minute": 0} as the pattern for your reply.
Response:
{"hour": 7, "minute": 0}
